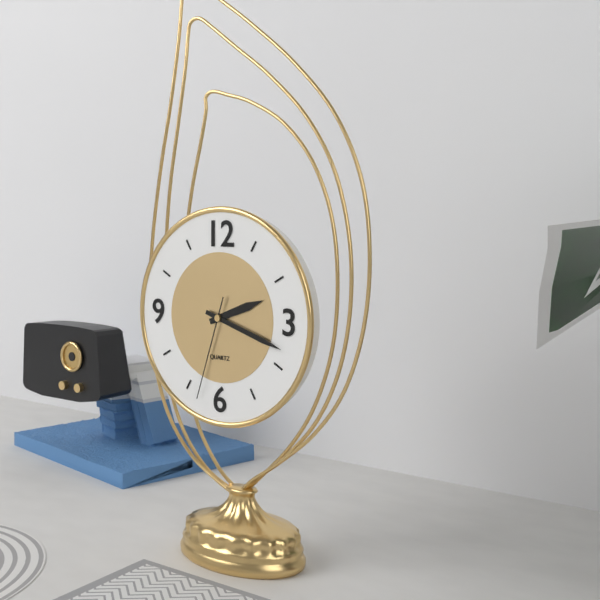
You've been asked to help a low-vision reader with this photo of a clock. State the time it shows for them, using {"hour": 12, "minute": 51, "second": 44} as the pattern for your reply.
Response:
{"hour": 2, "minute": 18, "second": 33}
